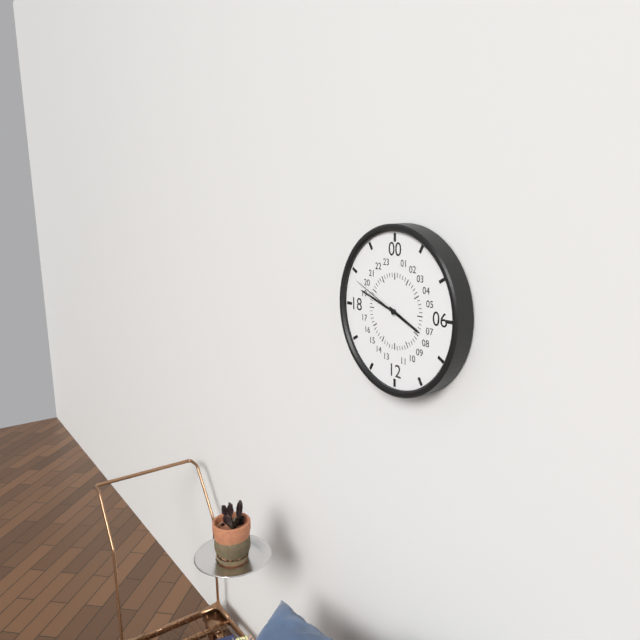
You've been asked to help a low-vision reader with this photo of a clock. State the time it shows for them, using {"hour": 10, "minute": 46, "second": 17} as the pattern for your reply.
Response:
{"hour": 3, "minute": 48, "second": 49}
